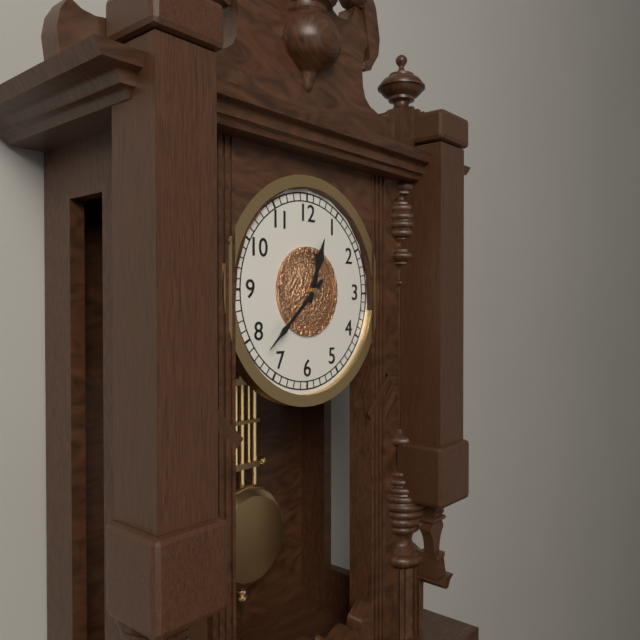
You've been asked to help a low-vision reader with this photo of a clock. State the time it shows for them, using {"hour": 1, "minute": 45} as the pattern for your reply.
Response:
{"hour": 12, "minute": 38}
